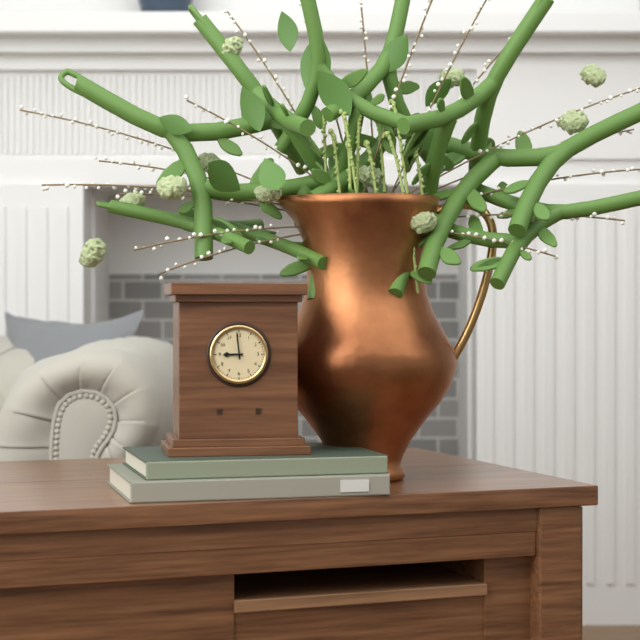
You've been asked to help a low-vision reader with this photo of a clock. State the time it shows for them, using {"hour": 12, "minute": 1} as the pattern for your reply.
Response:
{"hour": 8, "minute": 59}
